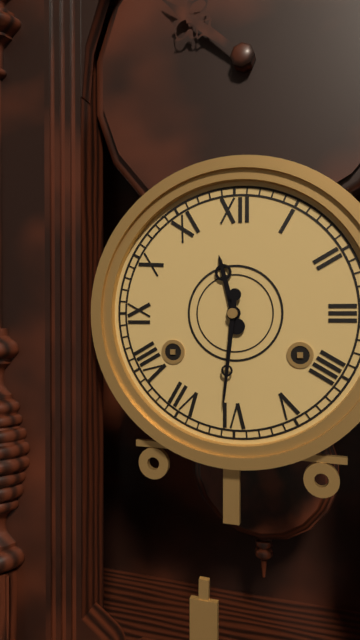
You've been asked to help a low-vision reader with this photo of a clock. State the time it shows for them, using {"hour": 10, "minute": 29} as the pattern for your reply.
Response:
{"hour": 11, "minute": 31}
